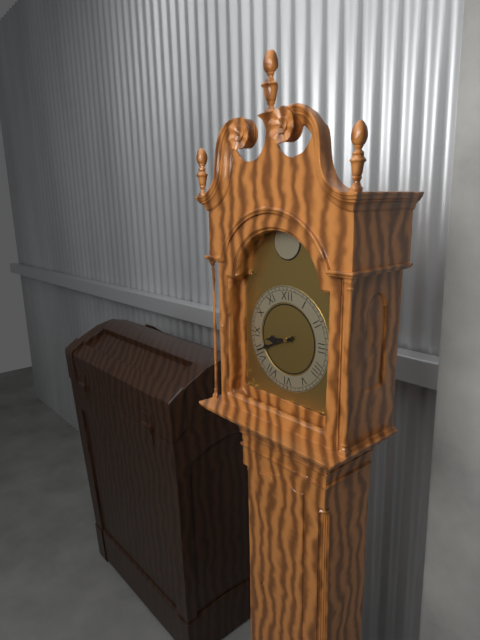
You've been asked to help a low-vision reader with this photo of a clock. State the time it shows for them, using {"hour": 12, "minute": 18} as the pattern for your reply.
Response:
{"hour": 8, "minute": 41}
